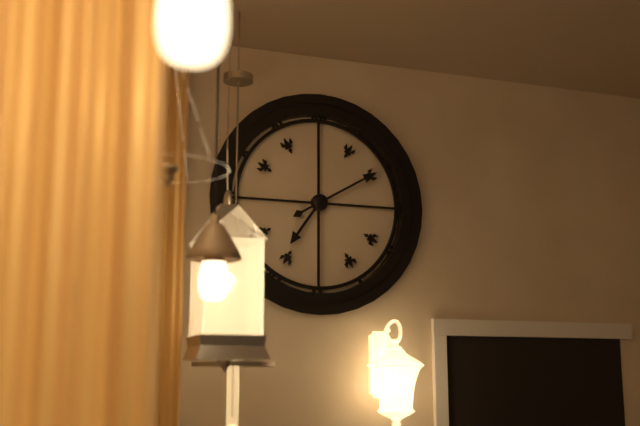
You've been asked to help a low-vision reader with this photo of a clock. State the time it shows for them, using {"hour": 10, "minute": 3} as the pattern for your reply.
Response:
{"hour": 7, "minute": 10}
